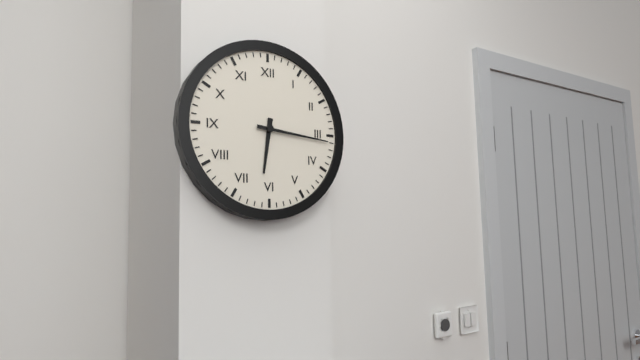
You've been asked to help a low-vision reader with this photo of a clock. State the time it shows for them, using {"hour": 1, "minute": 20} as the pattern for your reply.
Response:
{"hour": 6, "minute": 16}
